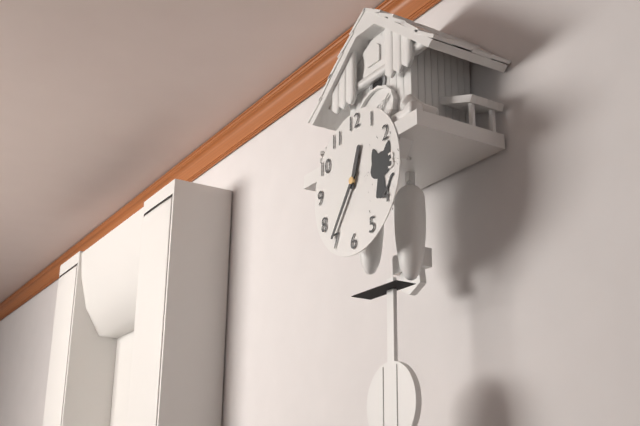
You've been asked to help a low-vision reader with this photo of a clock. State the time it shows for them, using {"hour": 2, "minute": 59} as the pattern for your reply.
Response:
{"hour": 12, "minute": 36}
